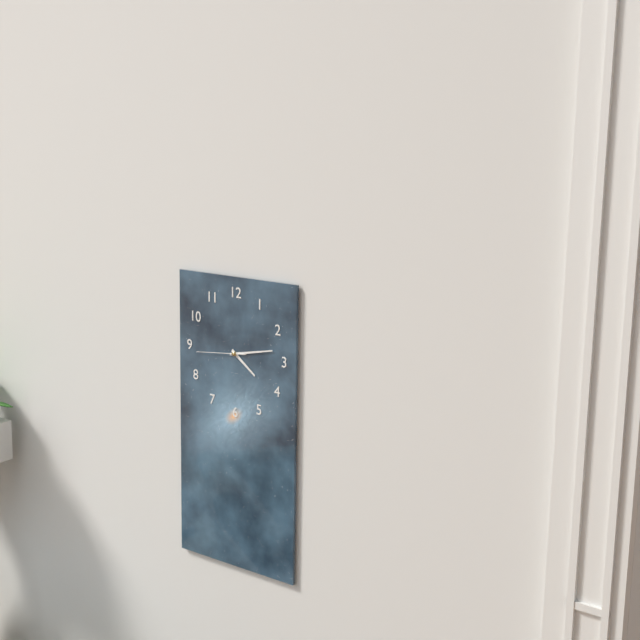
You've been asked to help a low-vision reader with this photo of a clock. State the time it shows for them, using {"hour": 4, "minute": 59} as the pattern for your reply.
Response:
{"hour": 4, "minute": 13}
